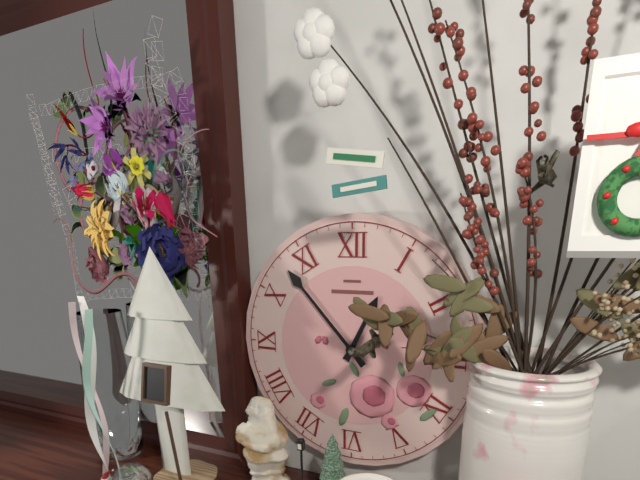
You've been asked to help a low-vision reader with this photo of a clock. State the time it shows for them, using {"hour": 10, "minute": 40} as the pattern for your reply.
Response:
{"hour": 12, "minute": 53}
